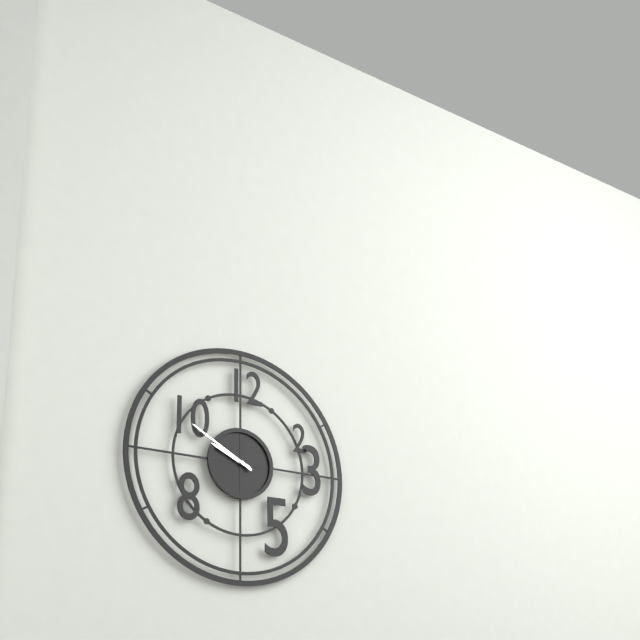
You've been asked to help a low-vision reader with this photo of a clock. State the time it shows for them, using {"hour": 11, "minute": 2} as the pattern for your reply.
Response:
{"hour": 9, "minute": 50}
